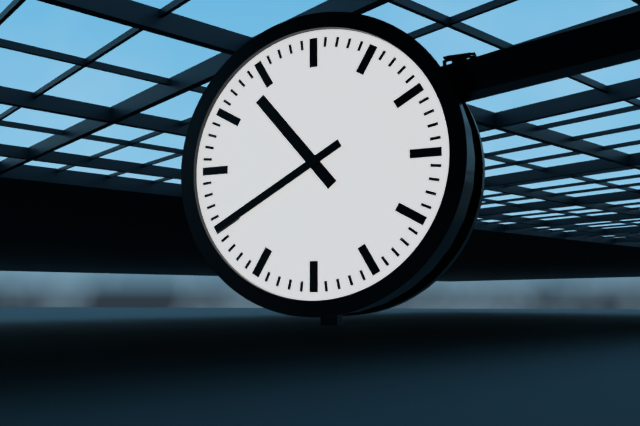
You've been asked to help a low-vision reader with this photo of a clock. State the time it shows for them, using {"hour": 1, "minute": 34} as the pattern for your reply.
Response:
{"hour": 10, "minute": 40}
